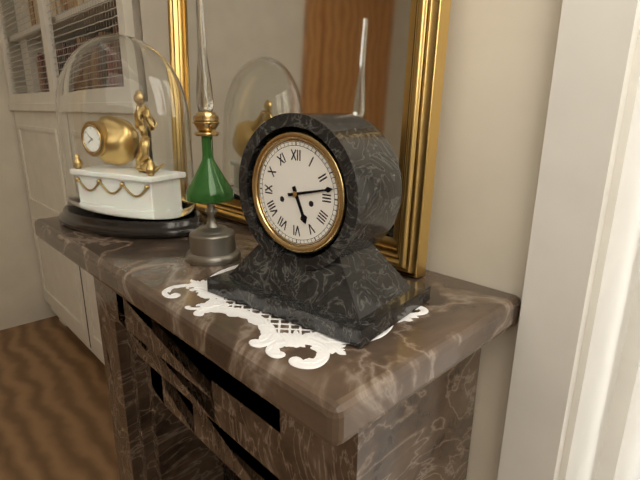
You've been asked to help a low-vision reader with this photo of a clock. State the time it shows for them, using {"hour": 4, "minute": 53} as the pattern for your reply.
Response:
{"hour": 5, "minute": 13}
